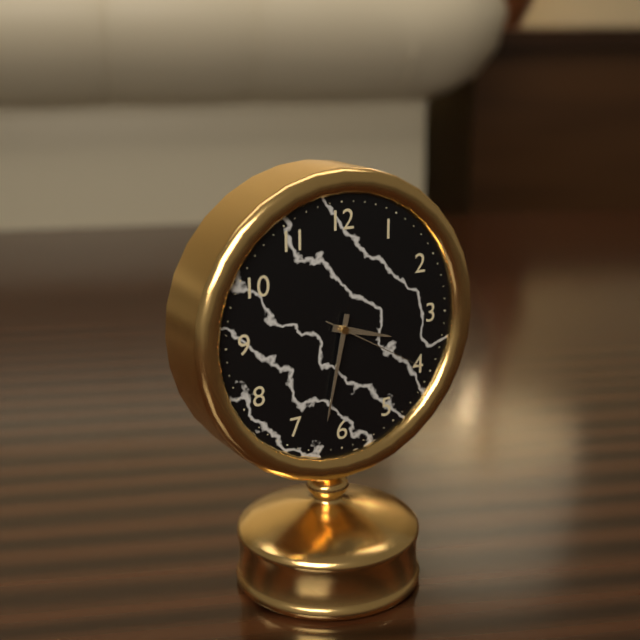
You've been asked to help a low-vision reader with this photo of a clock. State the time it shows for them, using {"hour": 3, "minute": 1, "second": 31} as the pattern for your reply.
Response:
{"hour": 3, "minute": 32, "second": 20}
